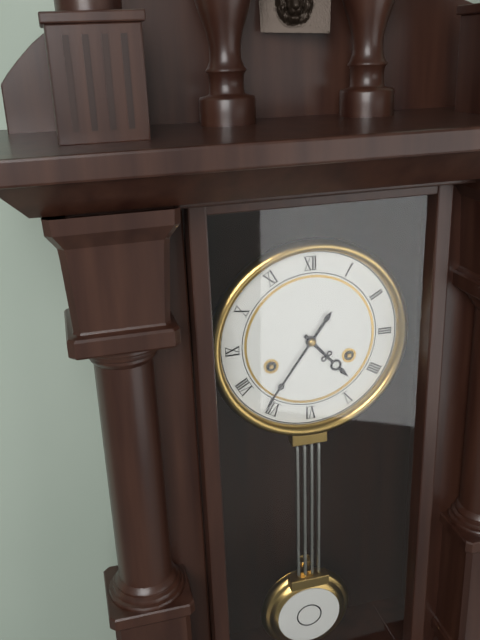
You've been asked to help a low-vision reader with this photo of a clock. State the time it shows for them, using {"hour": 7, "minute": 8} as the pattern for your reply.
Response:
{"hour": 4, "minute": 36}
